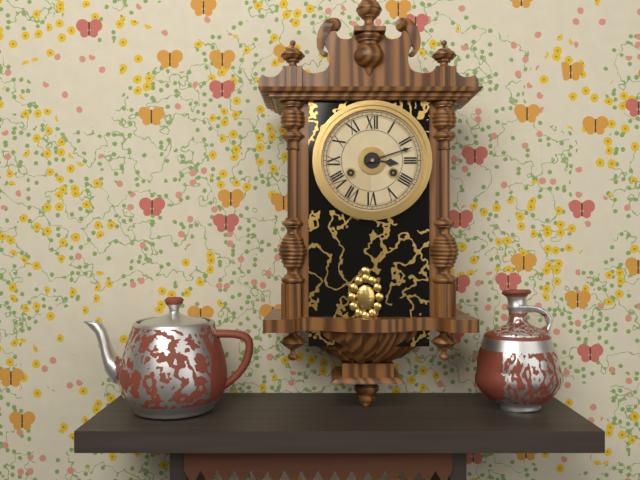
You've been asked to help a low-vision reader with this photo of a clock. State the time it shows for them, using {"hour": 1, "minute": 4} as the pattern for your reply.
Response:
{"hour": 3, "minute": 12}
